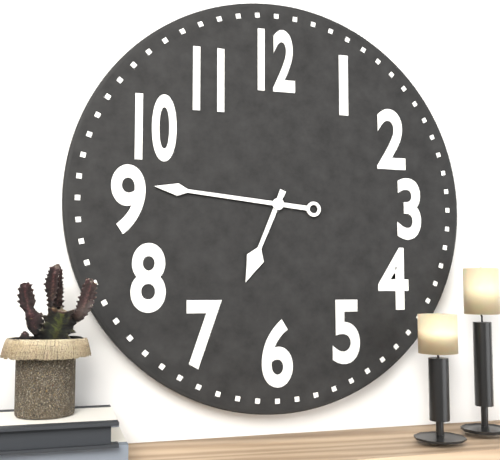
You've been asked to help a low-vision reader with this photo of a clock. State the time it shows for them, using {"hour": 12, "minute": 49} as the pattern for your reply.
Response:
{"hour": 6, "minute": 46}
